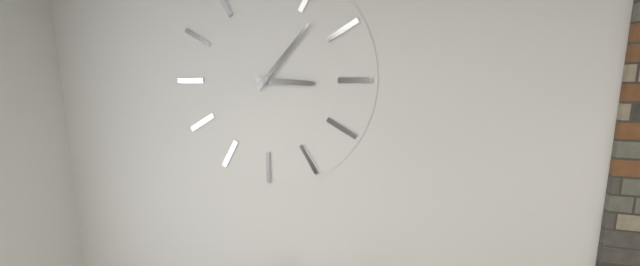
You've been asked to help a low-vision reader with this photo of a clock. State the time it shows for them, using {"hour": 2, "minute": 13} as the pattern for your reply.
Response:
{"hour": 3, "minute": 7}
